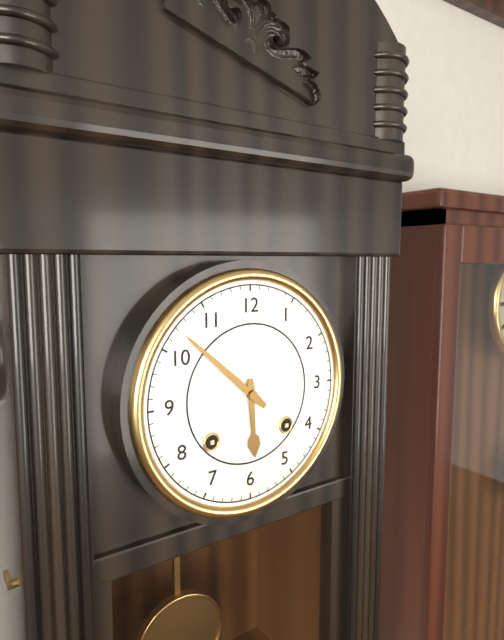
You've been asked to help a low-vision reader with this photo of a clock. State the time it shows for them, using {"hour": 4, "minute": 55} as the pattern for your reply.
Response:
{"hour": 5, "minute": 52}
